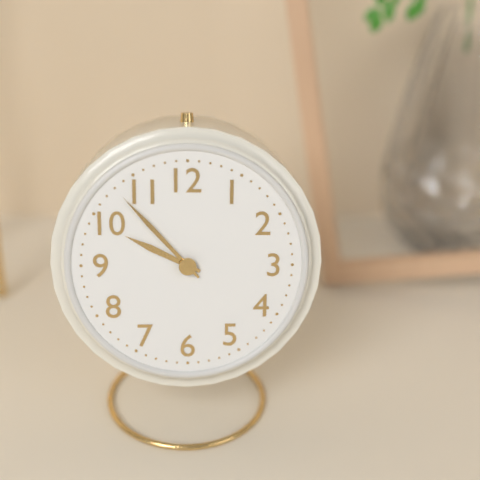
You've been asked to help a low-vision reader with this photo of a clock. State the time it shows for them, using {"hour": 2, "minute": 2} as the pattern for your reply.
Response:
{"hour": 9, "minute": 53}
